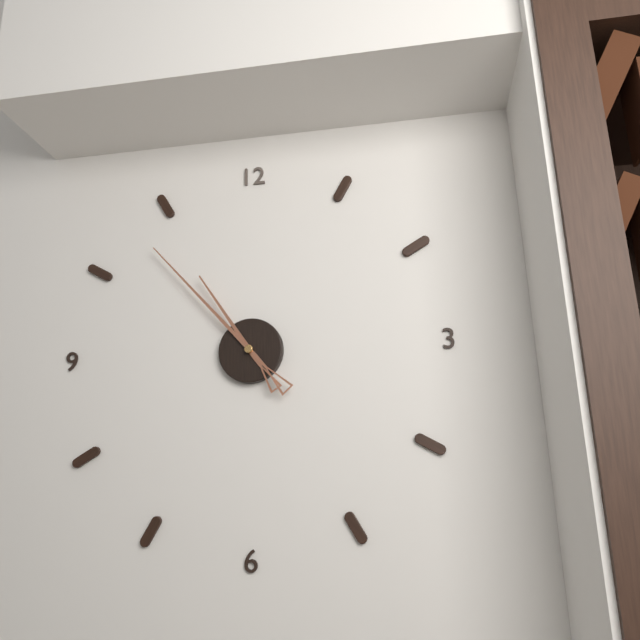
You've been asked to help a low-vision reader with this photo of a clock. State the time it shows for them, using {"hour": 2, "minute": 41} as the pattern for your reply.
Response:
{"hour": 10, "minute": 53}
